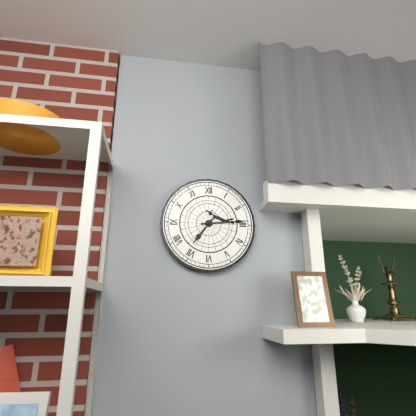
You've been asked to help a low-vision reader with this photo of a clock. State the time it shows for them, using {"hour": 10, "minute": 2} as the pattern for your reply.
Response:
{"hour": 7, "minute": 14}
